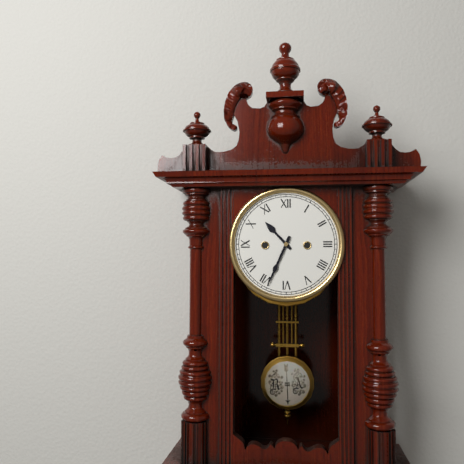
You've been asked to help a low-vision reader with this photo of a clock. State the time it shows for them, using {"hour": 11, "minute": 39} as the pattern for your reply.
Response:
{"hour": 10, "minute": 34}
